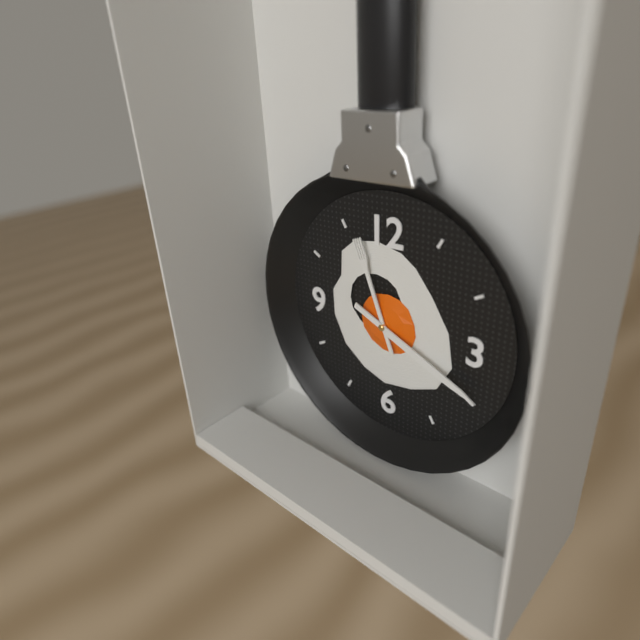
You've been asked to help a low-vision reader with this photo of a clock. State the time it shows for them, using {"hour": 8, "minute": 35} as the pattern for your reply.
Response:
{"hour": 11, "minute": 19}
